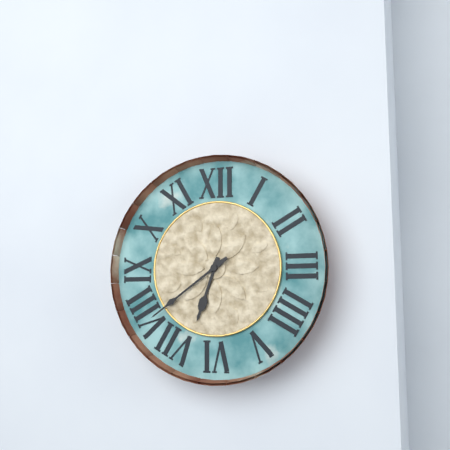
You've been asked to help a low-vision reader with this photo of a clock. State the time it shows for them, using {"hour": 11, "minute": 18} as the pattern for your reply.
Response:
{"hour": 6, "minute": 39}
